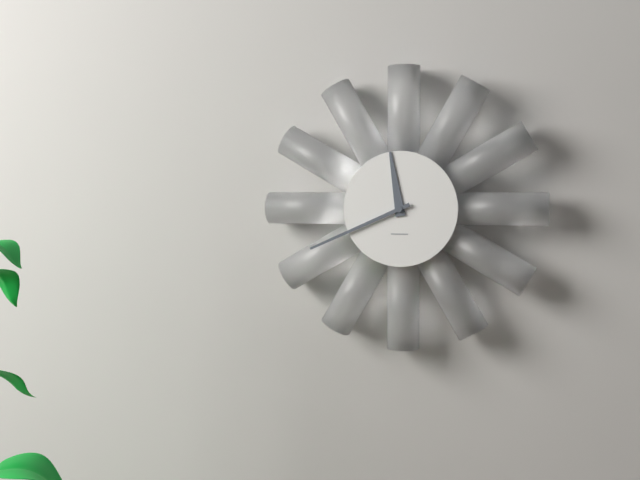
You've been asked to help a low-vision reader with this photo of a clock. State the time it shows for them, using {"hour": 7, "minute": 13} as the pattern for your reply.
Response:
{"hour": 11, "minute": 41}
